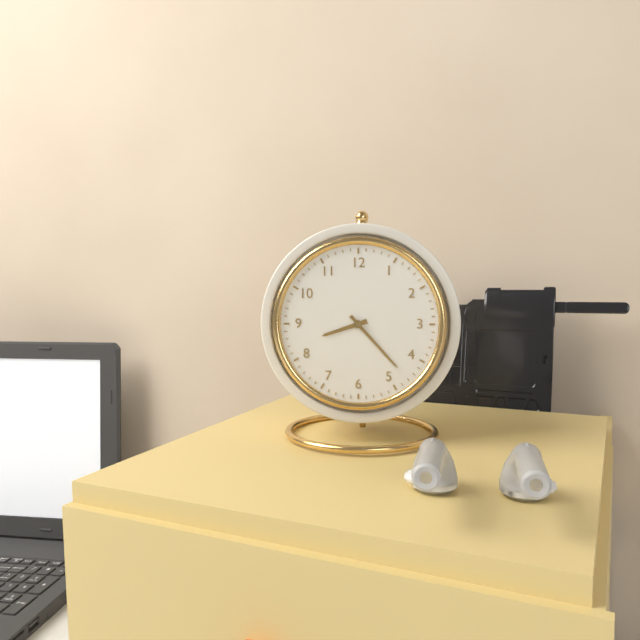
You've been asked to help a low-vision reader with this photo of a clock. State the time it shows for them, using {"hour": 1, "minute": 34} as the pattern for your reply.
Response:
{"hour": 8, "minute": 23}
